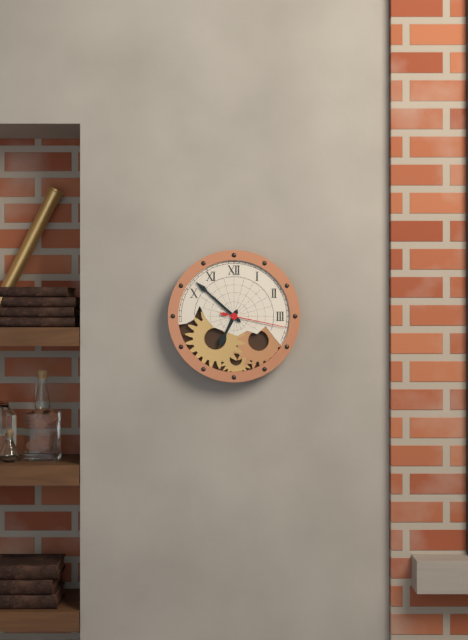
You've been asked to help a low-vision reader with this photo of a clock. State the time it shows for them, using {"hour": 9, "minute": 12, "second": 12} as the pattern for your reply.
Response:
{"hour": 6, "minute": 52, "second": 17}
